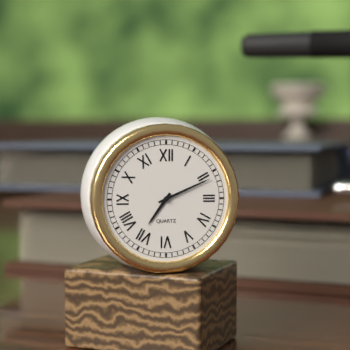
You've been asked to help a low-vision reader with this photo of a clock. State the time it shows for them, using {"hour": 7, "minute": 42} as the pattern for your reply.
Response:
{"hour": 7, "minute": 11}
